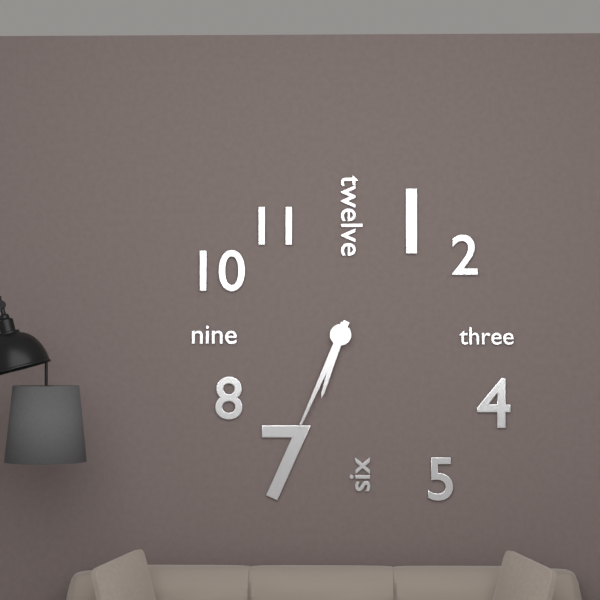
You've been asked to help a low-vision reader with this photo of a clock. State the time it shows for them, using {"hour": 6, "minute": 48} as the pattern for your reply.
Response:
{"hour": 6, "minute": 34}
